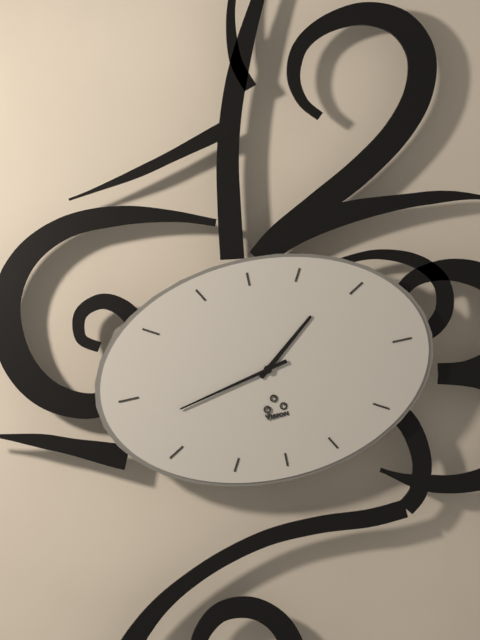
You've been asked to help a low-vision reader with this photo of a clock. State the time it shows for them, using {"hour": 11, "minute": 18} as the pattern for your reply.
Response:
{"hour": 1, "minute": 43}
